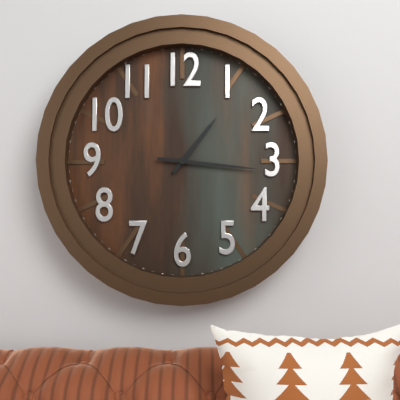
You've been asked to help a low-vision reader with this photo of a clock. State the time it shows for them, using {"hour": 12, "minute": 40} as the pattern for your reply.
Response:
{"hour": 1, "minute": 16}
